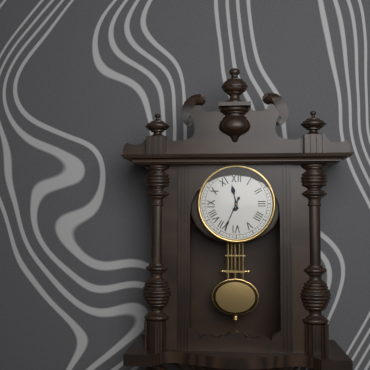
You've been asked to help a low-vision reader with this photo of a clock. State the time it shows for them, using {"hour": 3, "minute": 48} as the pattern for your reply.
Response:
{"hour": 11, "minute": 34}
